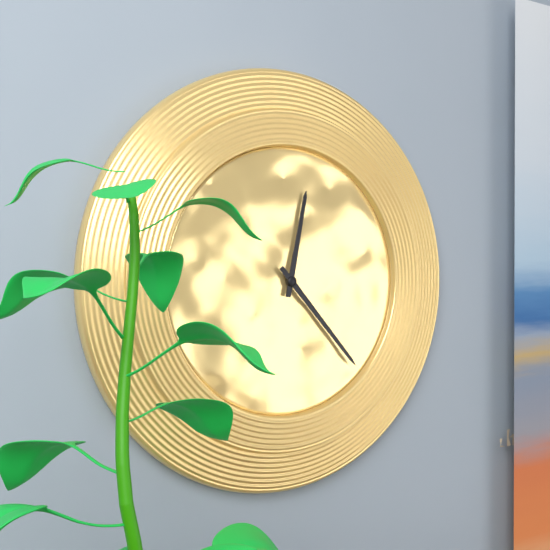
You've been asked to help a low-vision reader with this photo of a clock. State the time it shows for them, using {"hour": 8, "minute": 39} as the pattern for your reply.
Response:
{"hour": 12, "minute": 23}
